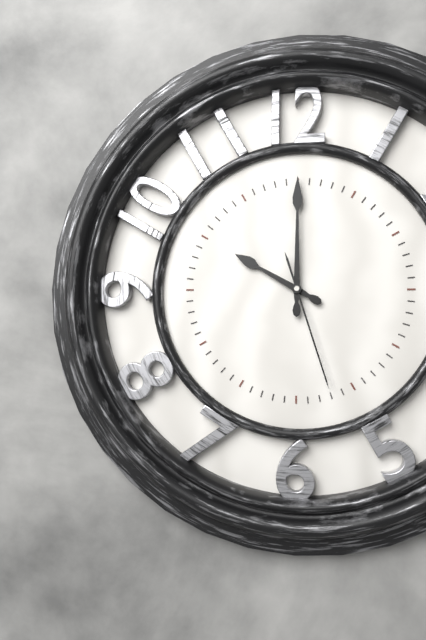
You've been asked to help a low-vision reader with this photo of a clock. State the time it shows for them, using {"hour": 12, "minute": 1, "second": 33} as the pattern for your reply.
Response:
{"hour": 10, "minute": 0, "second": 27}
